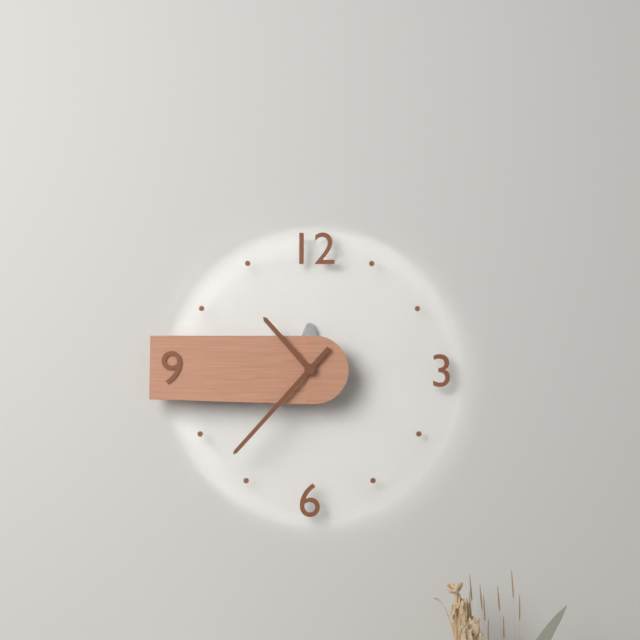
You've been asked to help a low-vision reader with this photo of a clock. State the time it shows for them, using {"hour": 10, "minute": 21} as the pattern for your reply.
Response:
{"hour": 10, "minute": 37}
